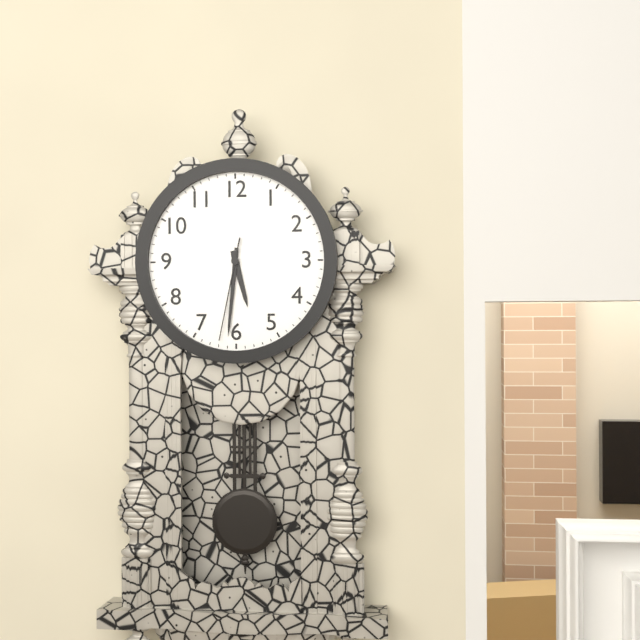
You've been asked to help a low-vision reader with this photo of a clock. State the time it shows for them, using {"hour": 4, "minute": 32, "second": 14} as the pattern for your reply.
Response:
{"hour": 5, "minute": 31, "second": 32}
